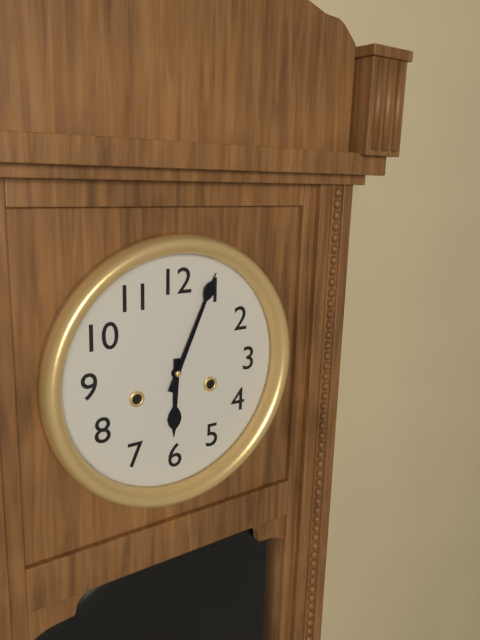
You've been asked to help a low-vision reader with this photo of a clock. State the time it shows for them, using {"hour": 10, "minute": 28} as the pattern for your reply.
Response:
{"hour": 6, "minute": 4}
